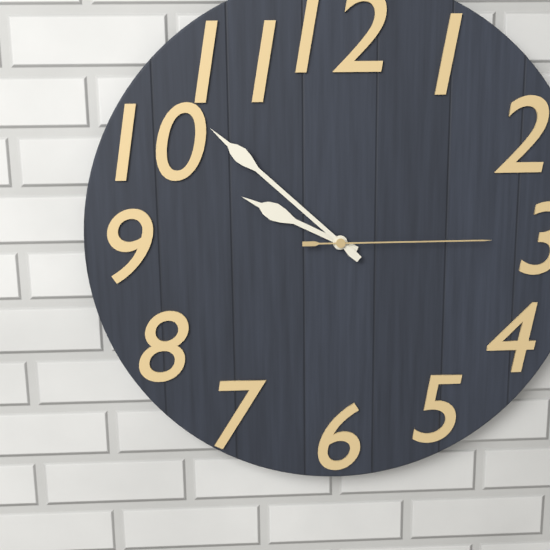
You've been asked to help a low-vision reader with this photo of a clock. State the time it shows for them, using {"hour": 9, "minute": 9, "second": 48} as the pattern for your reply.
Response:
{"hour": 9, "minute": 52, "second": 15}
